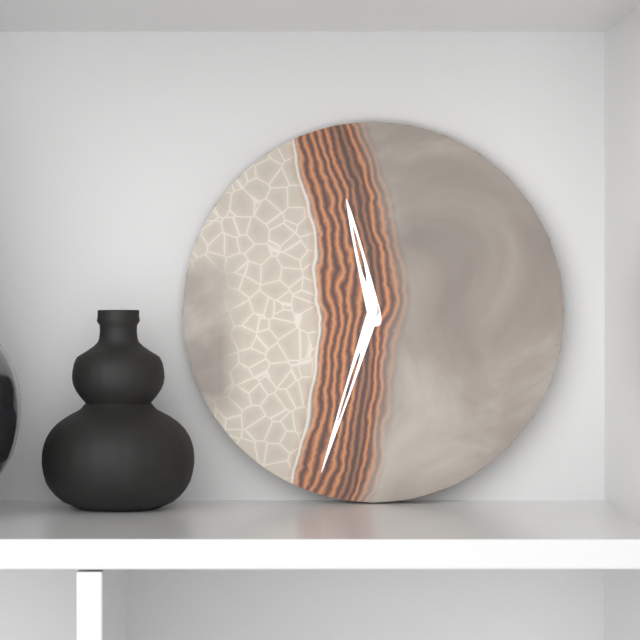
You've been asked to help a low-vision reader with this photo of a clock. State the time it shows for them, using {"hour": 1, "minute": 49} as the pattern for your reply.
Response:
{"hour": 11, "minute": 33}
